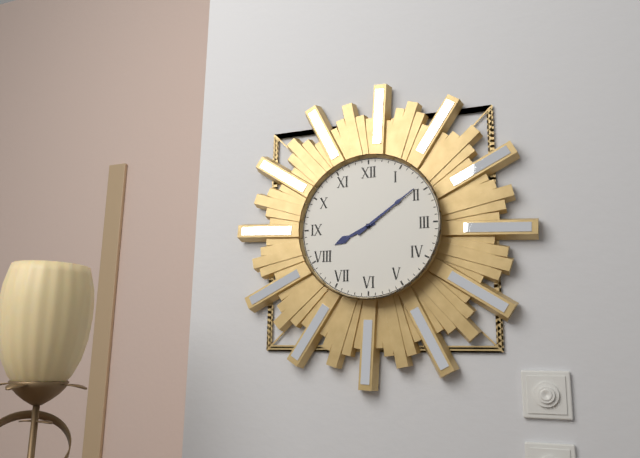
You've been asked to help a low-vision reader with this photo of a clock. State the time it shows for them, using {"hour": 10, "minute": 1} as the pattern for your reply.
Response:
{"hour": 8, "minute": 9}
